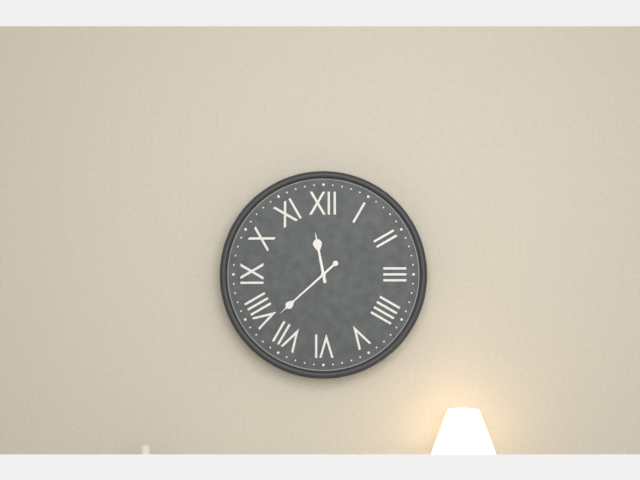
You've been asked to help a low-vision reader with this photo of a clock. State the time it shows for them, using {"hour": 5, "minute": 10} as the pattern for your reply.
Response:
{"hour": 11, "minute": 38}
